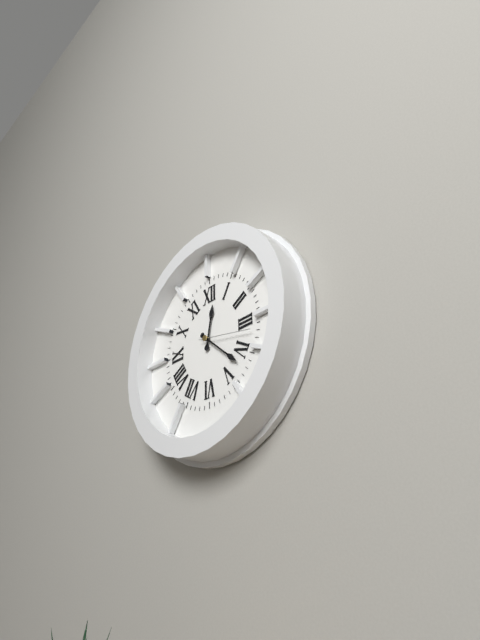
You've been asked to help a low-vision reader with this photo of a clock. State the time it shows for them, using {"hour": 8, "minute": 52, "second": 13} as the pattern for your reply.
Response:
{"hour": 12, "minute": 22, "second": 17}
